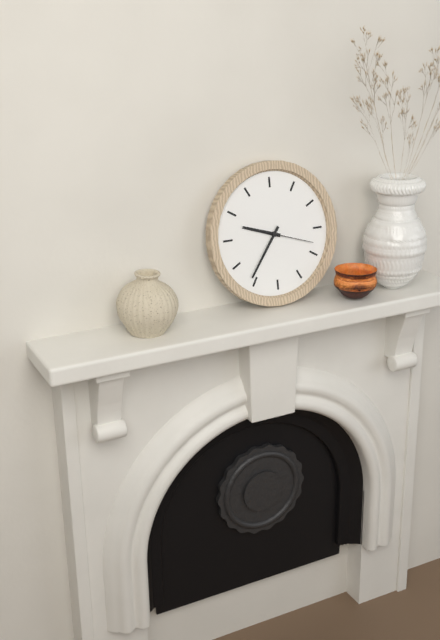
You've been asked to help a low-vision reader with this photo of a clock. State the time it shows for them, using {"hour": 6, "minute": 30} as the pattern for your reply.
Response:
{"hour": 9, "minute": 36}
